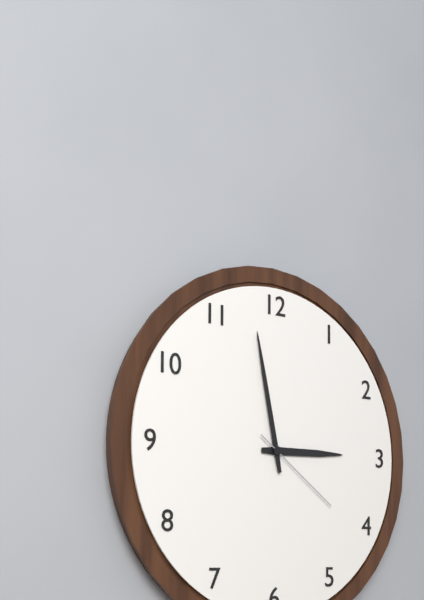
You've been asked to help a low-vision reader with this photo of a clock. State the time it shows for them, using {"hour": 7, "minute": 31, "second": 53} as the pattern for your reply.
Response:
{"hour": 2, "minute": 58, "second": 21}
